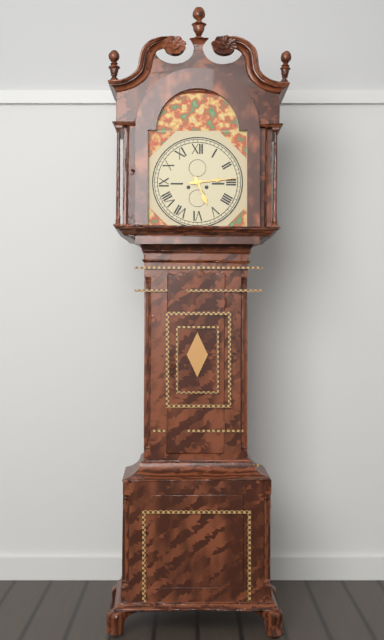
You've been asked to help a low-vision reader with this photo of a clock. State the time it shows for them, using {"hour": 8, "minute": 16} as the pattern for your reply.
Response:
{"hour": 5, "minute": 14}
